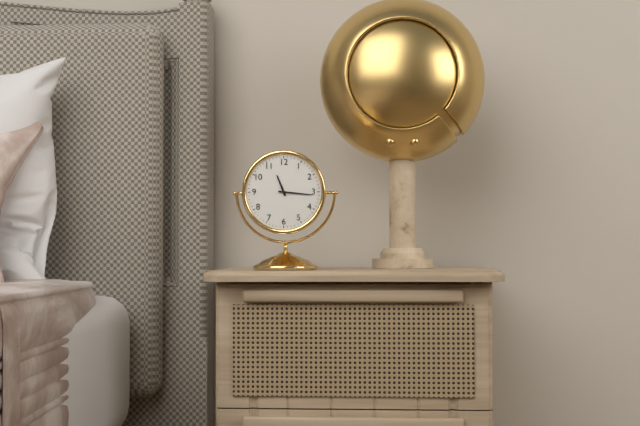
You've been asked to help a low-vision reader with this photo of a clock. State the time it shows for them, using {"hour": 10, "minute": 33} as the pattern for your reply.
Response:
{"hour": 11, "minute": 16}
